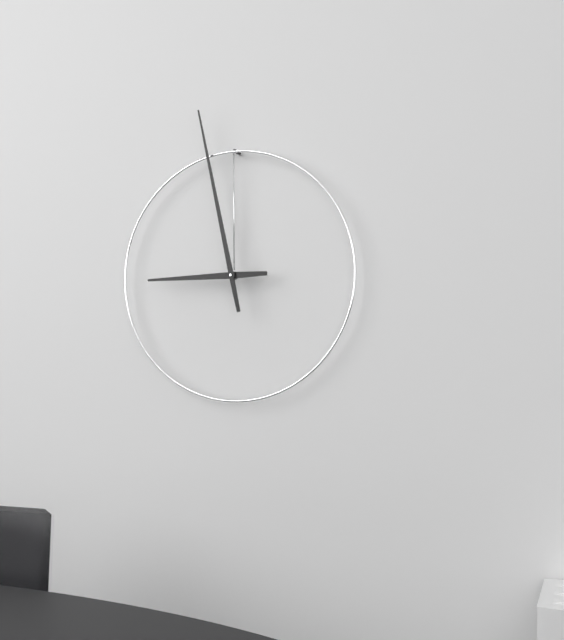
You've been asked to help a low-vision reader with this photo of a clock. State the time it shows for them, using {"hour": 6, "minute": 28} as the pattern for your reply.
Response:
{"hour": 8, "minute": 58}
